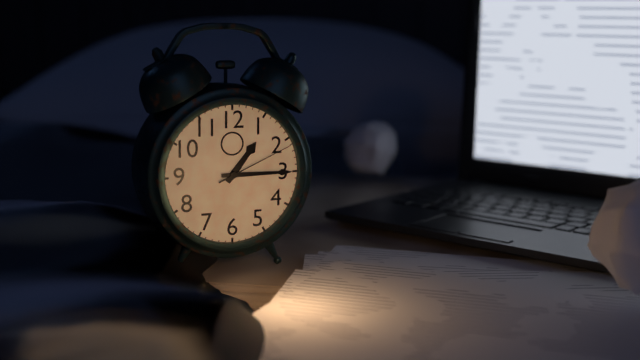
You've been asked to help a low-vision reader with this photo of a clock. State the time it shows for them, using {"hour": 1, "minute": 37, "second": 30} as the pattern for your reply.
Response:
{"hour": 1, "minute": 15, "second": 11}
